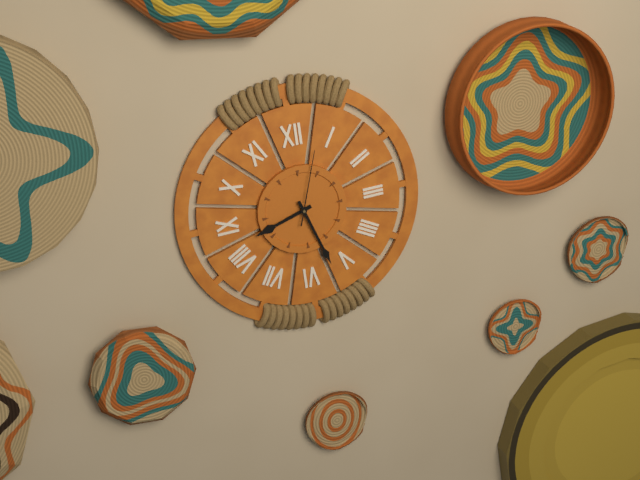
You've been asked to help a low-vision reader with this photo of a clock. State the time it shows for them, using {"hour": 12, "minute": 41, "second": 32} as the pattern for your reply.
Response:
{"hour": 8, "minute": 27, "second": 3}
